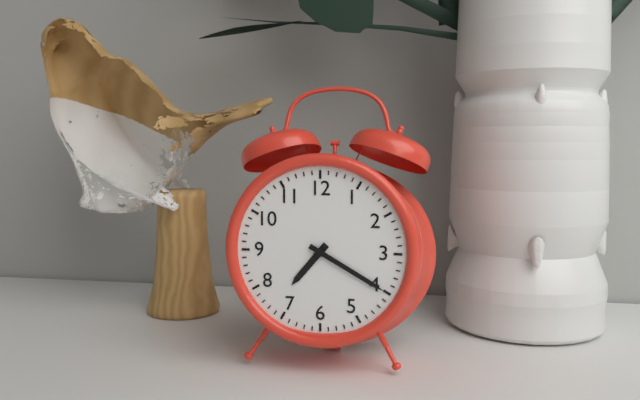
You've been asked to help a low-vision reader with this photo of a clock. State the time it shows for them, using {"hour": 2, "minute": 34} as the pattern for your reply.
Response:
{"hour": 7, "minute": 20}
